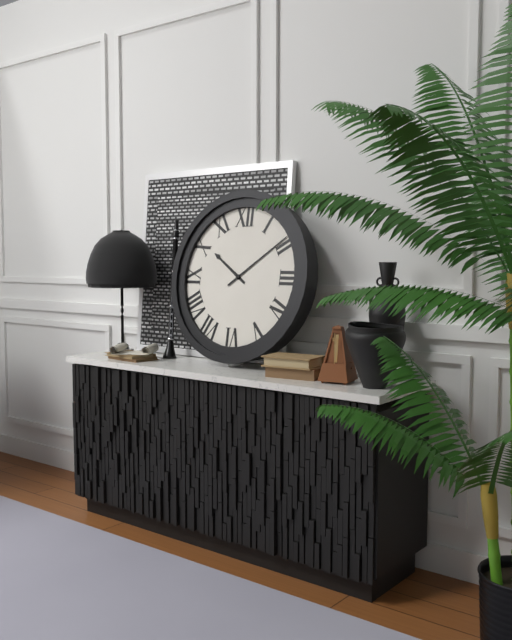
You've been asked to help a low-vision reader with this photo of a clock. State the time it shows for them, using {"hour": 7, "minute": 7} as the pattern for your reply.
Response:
{"hour": 10, "minute": 9}
